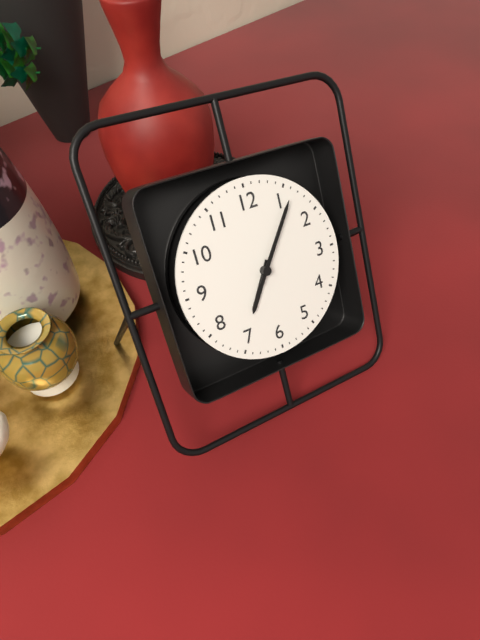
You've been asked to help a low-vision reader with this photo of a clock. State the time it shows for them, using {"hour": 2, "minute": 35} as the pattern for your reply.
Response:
{"hour": 7, "minute": 6}
